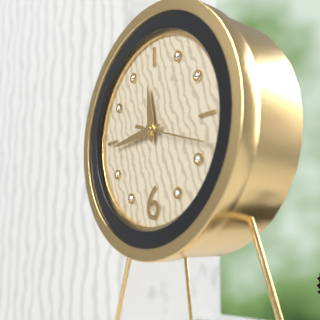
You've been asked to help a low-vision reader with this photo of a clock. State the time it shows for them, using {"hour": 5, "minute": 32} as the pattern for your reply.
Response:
{"hour": 11, "minute": 44}
